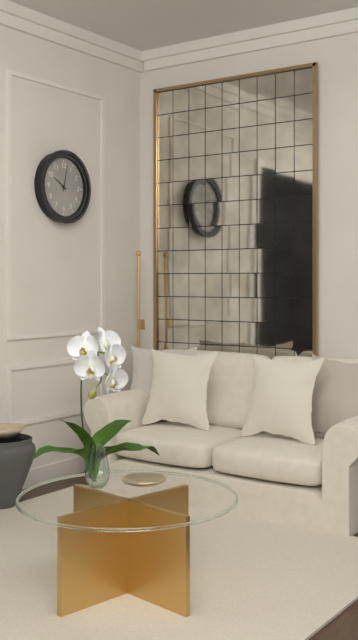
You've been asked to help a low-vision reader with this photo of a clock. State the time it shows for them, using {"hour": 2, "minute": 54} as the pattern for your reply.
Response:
{"hour": 10, "minute": 2}
